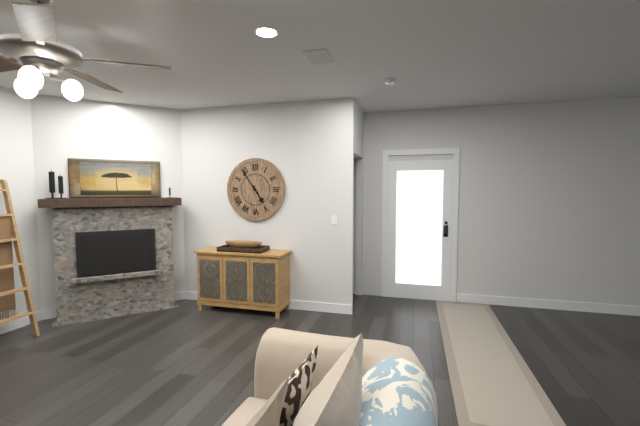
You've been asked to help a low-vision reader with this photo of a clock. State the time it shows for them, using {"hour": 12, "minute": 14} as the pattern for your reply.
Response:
{"hour": 4, "minute": 54}
